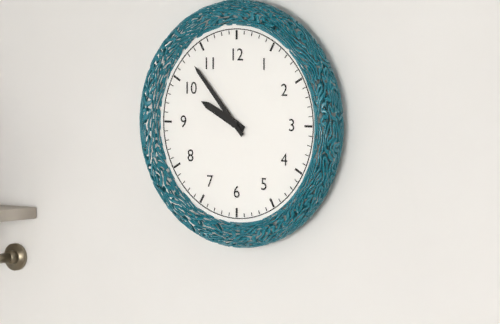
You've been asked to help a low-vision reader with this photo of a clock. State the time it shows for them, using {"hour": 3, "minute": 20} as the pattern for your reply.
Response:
{"hour": 9, "minute": 53}
